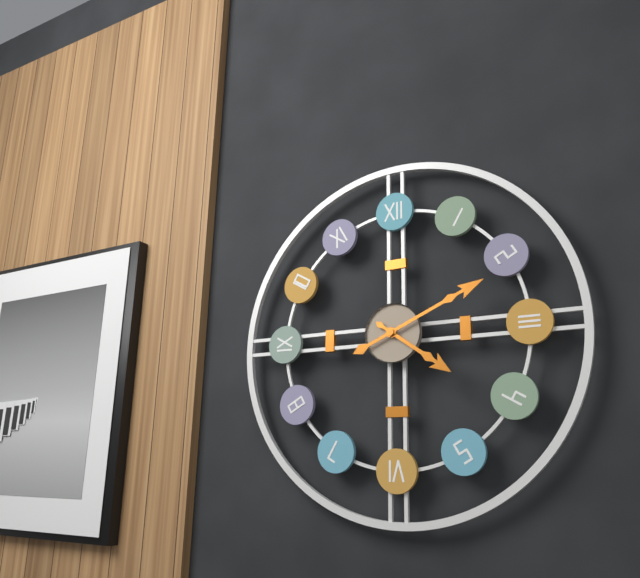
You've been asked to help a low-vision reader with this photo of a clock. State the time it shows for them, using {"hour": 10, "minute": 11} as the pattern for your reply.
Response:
{"hour": 4, "minute": 11}
